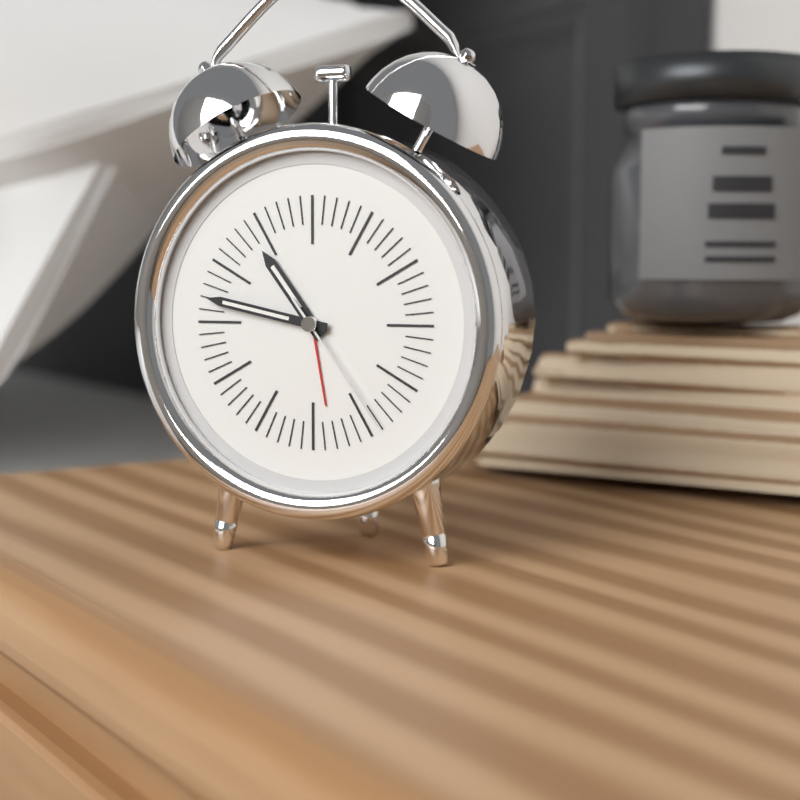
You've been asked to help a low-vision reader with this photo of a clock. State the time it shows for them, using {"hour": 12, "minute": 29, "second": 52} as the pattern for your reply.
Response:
{"hour": 10, "minute": 47, "second": 24}
